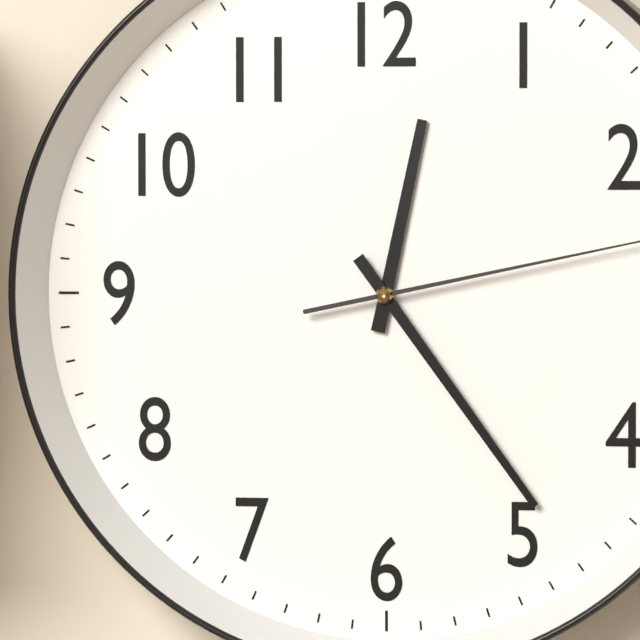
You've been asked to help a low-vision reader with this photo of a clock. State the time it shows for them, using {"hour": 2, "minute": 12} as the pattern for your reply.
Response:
{"hour": 12, "minute": 24}
